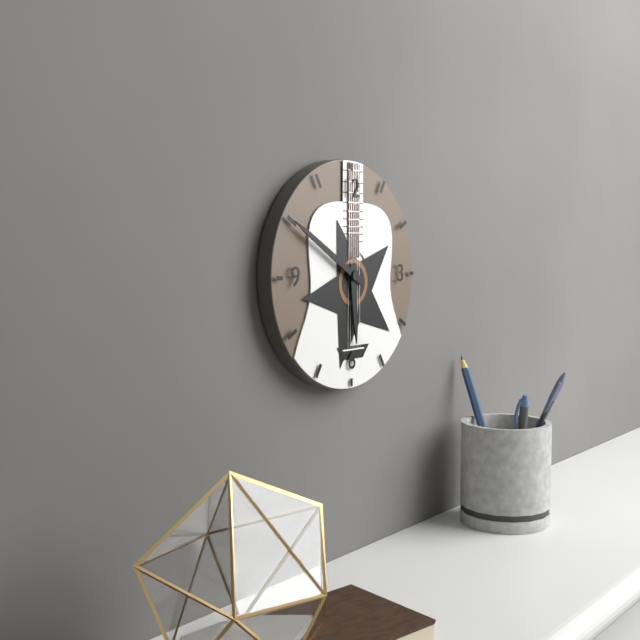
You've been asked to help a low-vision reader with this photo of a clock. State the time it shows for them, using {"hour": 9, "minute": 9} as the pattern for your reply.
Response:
{"hour": 5, "minute": 50}
